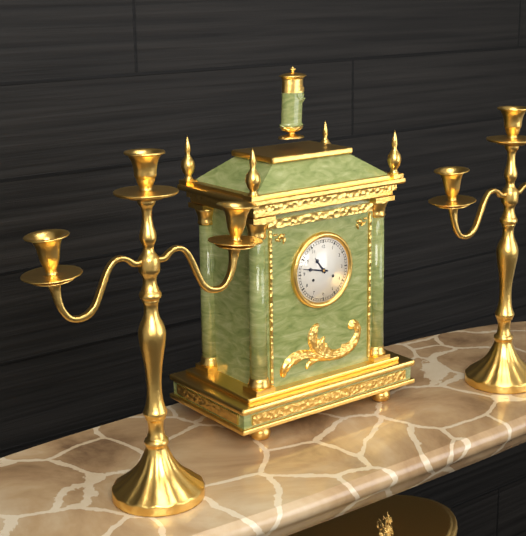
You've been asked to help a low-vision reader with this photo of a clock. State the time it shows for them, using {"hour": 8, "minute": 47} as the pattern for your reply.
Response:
{"hour": 10, "minute": 47}
